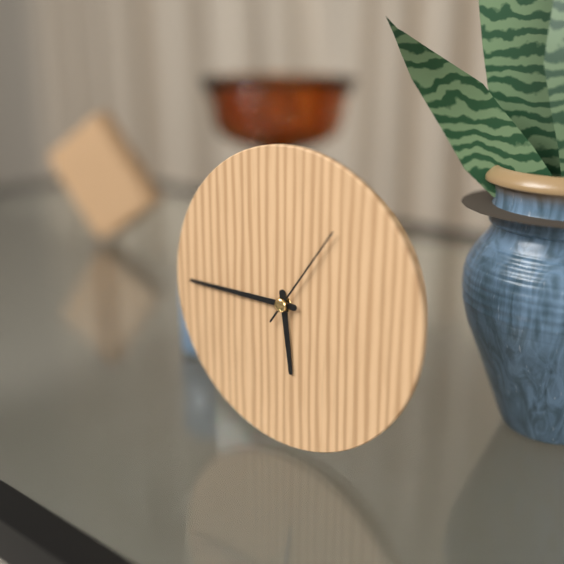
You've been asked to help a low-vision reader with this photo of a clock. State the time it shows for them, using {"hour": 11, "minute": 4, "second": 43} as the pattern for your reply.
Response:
{"hour": 5, "minute": 45, "second": 6}
